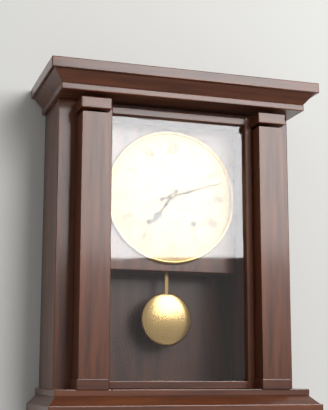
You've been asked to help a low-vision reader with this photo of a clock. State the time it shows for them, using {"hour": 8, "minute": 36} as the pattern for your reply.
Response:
{"hour": 7, "minute": 12}
